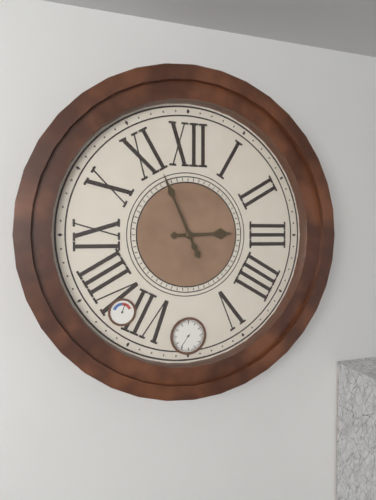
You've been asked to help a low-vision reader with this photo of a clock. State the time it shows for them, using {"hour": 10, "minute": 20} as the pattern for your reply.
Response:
{"hour": 2, "minute": 56}
